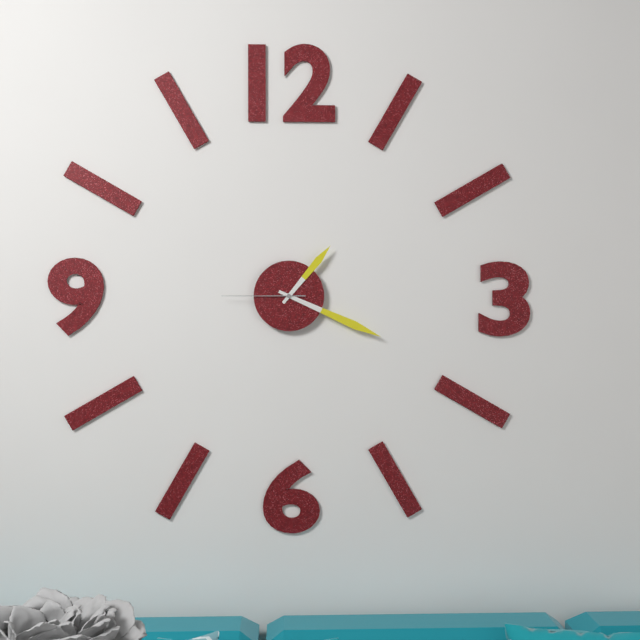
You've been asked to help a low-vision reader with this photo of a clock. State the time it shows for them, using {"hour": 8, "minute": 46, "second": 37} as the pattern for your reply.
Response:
{"hour": 1, "minute": 19, "second": 45}
